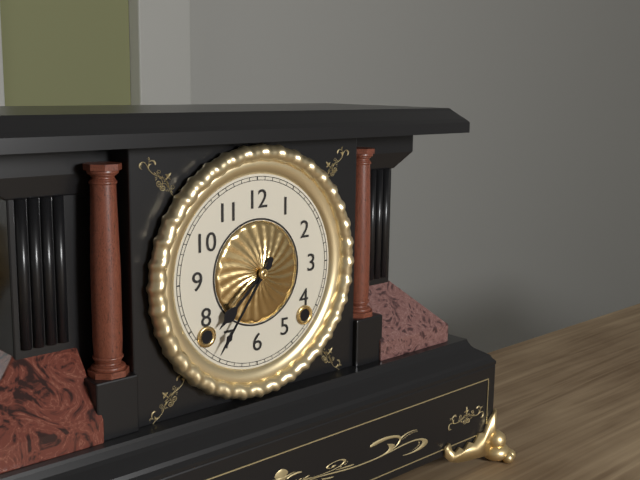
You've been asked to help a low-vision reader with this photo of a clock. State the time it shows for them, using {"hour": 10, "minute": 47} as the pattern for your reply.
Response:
{"hour": 7, "minute": 36}
